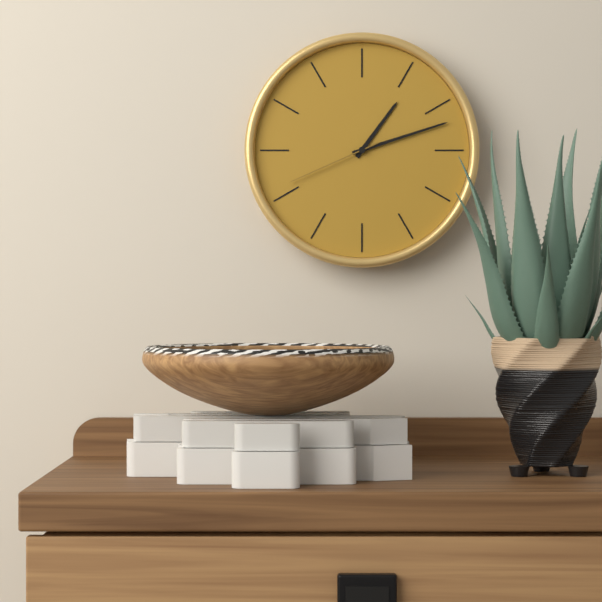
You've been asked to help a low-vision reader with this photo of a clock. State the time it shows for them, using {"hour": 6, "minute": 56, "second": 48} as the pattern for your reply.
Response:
{"hour": 1, "minute": 12, "second": 41}
